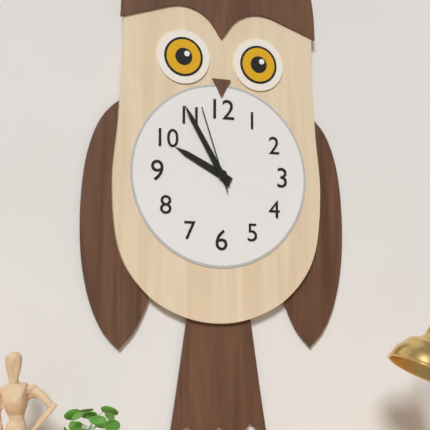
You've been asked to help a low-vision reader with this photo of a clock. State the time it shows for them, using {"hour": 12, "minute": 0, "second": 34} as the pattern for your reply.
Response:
{"hour": 9, "minute": 55, "second": 57}
